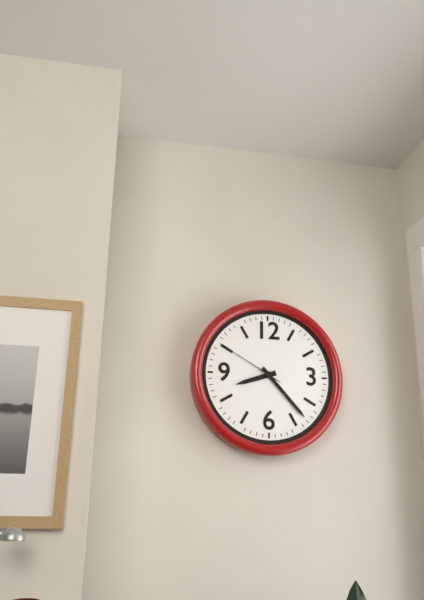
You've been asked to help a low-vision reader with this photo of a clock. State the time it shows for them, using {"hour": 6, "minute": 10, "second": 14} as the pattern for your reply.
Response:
{"hour": 8, "minute": 23, "second": 50}
